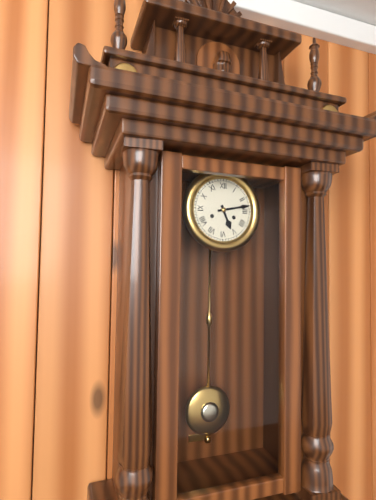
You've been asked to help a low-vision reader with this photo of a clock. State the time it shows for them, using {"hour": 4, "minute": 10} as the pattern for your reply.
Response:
{"hour": 5, "minute": 13}
